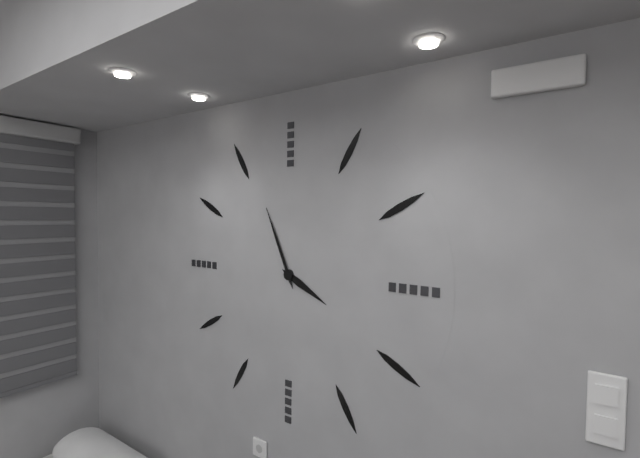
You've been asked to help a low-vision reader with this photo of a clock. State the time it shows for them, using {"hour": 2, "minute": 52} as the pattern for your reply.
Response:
{"hour": 3, "minute": 56}
